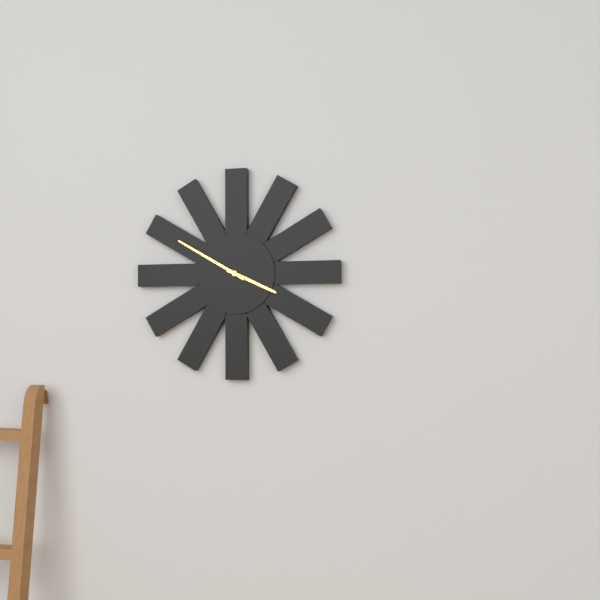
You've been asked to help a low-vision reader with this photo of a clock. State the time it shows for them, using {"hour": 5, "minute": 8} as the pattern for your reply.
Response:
{"hour": 3, "minute": 50}
